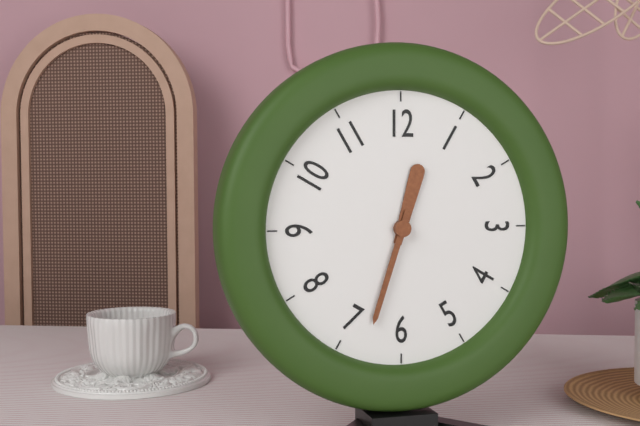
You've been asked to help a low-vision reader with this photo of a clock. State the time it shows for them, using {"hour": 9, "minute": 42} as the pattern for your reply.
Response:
{"hour": 12, "minute": 33}
